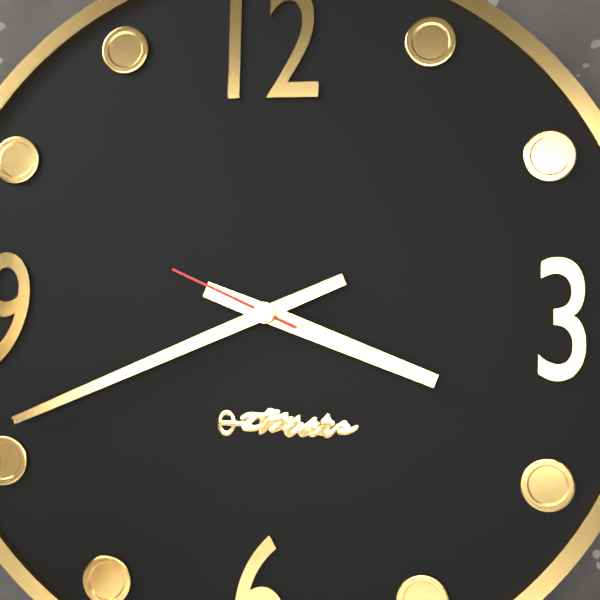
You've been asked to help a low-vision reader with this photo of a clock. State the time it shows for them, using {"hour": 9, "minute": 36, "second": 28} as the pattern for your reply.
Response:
{"hour": 3, "minute": 41, "second": 49}
